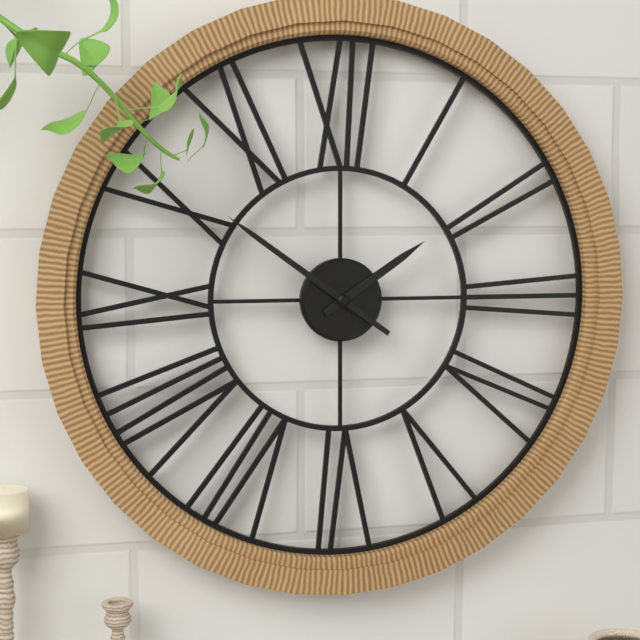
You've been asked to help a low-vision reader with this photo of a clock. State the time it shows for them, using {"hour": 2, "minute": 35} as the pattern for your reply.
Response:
{"hour": 1, "minute": 51}
